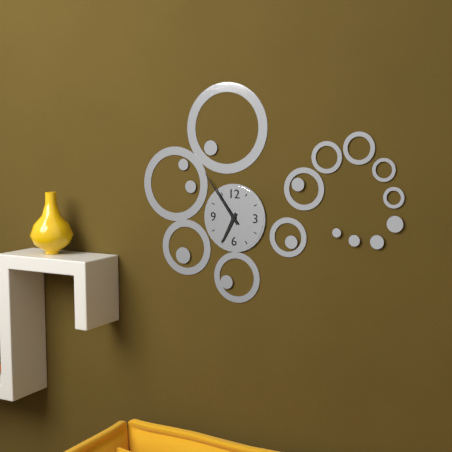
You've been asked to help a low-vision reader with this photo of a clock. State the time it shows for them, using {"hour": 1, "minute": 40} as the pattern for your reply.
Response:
{"hour": 6, "minute": 54}
